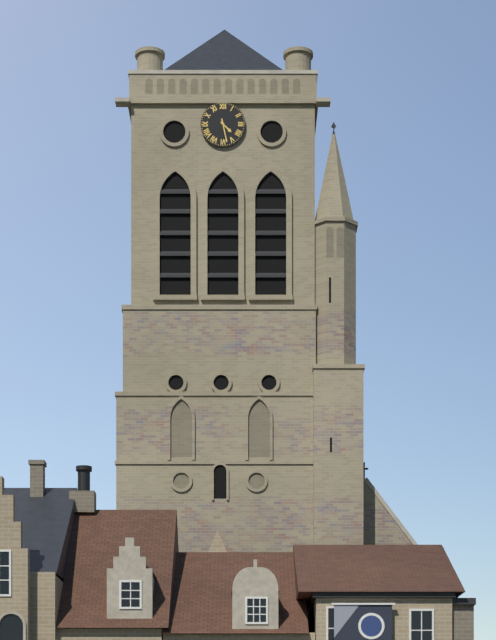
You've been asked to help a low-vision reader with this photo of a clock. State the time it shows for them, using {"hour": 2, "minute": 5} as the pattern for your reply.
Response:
{"hour": 4, "minute": 28}
